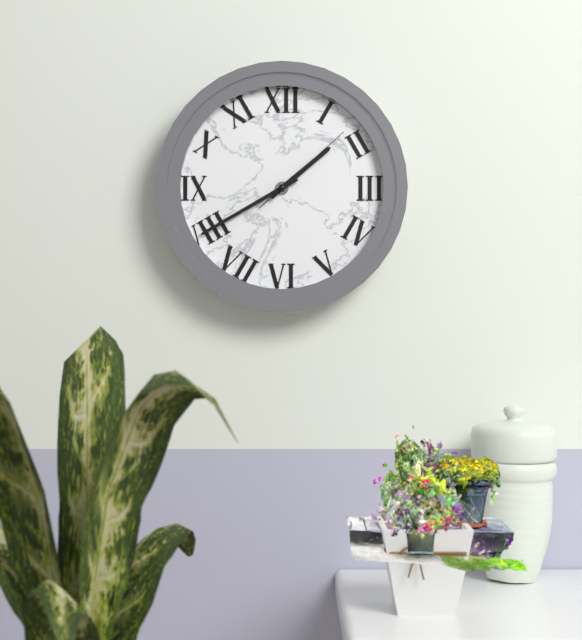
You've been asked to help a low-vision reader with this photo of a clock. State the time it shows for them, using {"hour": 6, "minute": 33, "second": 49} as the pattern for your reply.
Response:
{"hour": 1, "minute": 40, "second": 8}
